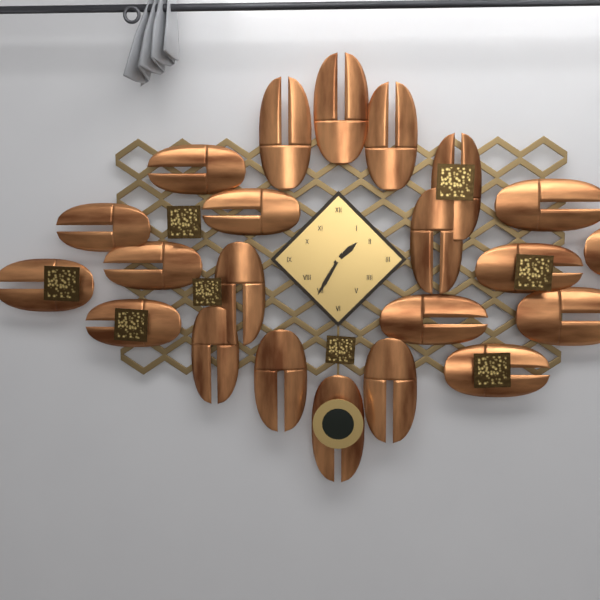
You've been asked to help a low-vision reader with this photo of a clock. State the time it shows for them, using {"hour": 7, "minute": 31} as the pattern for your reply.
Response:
{"hour": 1, "minute": 35}
